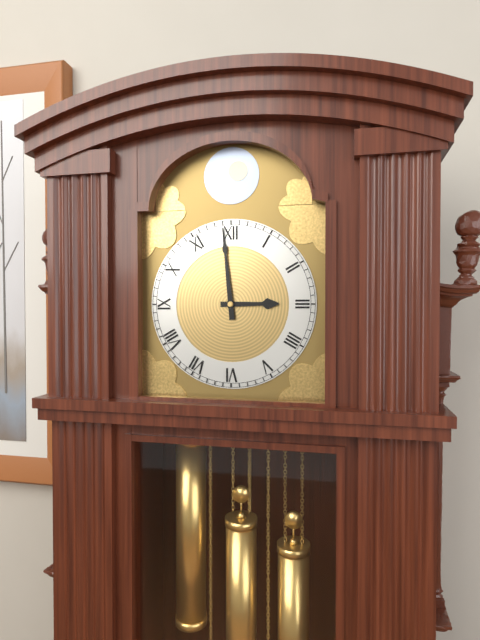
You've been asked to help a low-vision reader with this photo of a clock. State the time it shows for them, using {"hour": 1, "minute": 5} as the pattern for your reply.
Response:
{"hour": 2, "minute": 59}
